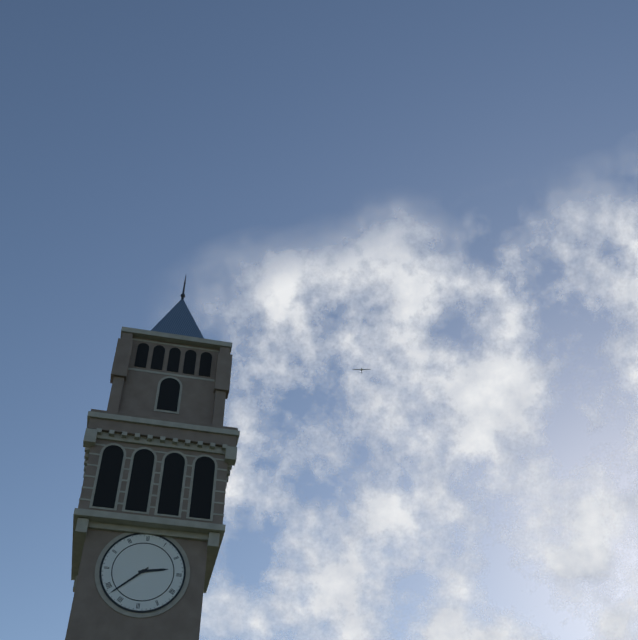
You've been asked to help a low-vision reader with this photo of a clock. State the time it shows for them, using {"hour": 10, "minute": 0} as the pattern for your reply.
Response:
{"hour": 2, "minute": 38}
